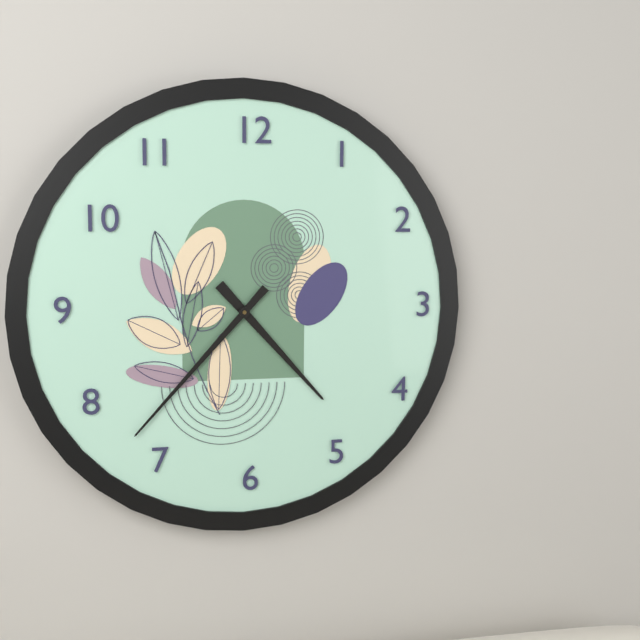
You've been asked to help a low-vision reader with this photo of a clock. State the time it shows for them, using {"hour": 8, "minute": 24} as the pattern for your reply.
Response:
{"hour": 4, "minute": 37}
